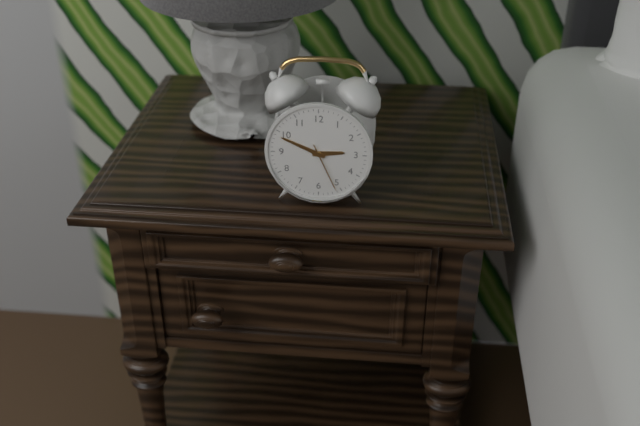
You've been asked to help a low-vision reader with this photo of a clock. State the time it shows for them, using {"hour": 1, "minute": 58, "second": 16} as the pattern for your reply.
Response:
{"hour": 2, "minute": 49, "second": 26}
